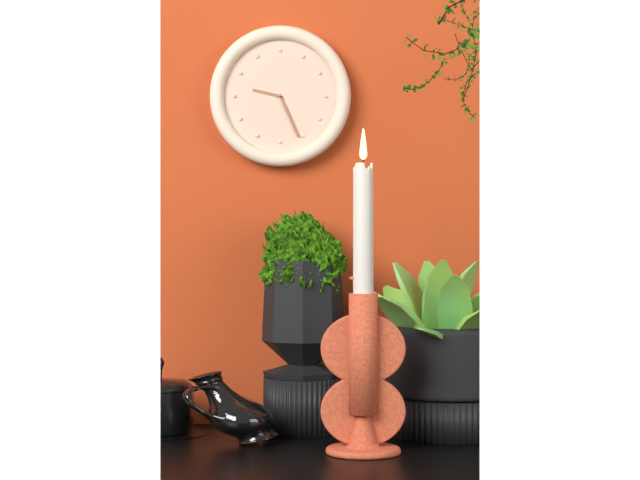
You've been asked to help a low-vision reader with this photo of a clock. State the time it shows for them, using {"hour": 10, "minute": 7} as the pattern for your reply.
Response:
{"hour": 9, "minute": 26}
